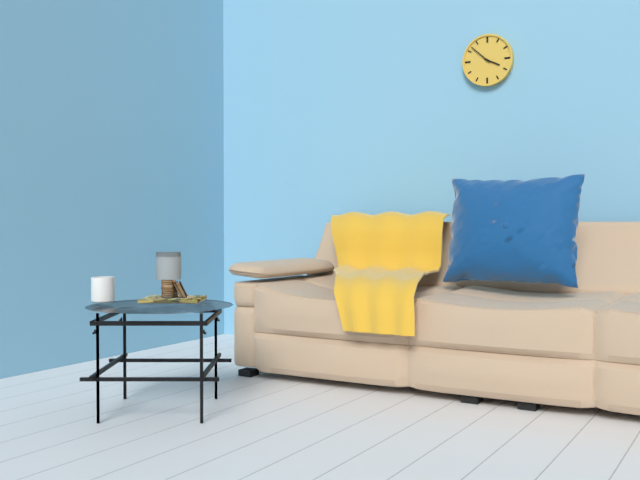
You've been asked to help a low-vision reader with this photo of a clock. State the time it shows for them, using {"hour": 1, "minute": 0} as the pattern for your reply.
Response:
{"hour": 3, "minute": 52}
